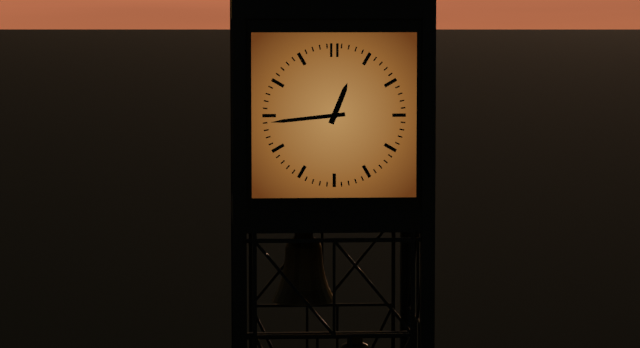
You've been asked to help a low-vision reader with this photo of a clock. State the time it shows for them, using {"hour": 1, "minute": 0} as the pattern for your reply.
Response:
{"hour": 12, "minute": 44}
